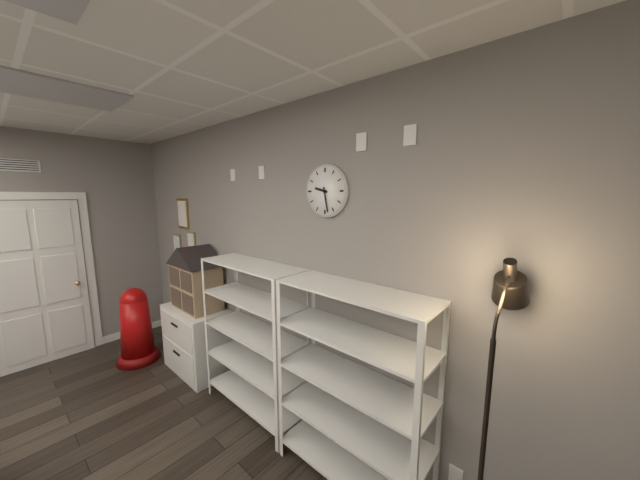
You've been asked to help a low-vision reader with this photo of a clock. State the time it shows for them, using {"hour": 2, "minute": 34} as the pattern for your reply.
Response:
{"hour": 9, "minute": 28}
